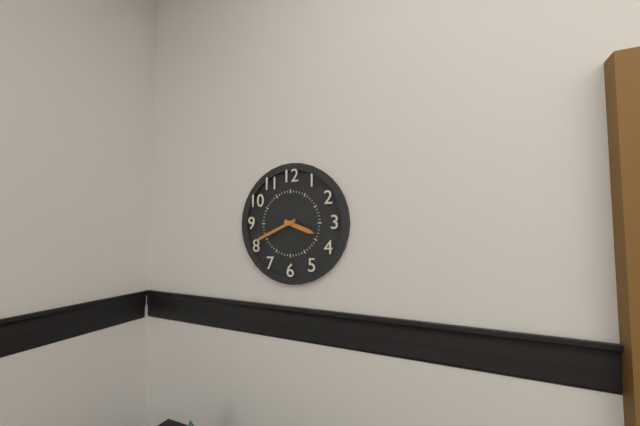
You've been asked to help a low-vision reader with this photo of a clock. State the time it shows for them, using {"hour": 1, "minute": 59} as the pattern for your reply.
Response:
{"hour": 3, "minute": 41}
